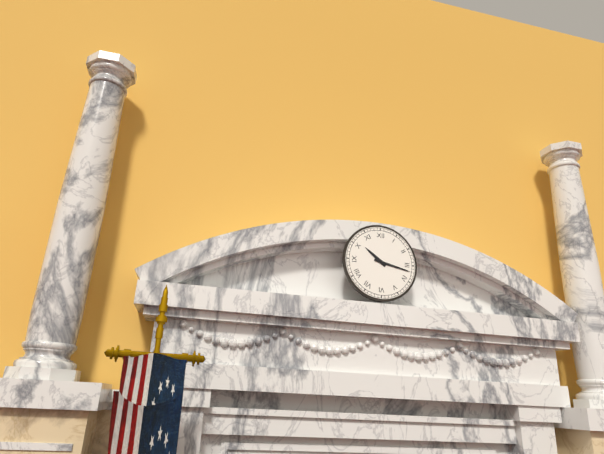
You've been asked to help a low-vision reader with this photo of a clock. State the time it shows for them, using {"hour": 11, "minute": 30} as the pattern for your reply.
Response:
{"hour": 10, "minute": 17}
